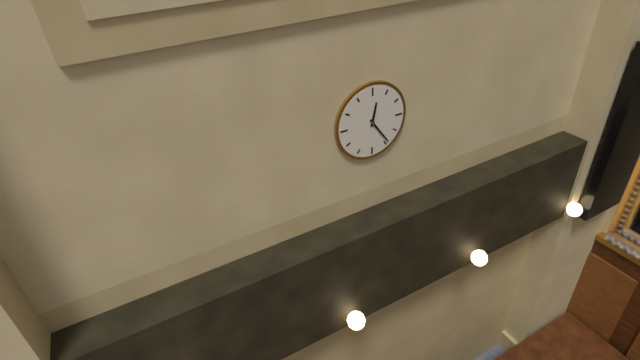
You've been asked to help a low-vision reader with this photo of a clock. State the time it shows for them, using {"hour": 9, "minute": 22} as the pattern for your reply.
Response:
{"hour": 12, "minute": 24}
